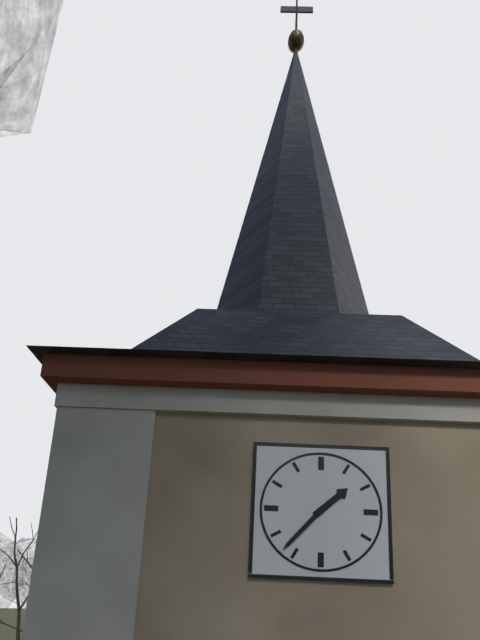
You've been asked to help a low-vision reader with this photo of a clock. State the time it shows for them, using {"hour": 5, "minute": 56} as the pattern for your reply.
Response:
{"hour": 1, "minute": 37}
